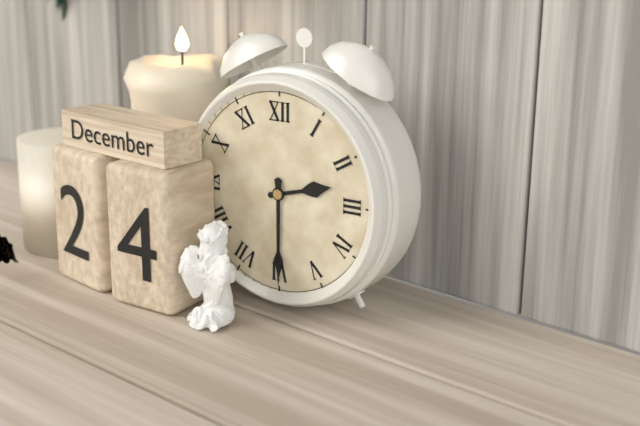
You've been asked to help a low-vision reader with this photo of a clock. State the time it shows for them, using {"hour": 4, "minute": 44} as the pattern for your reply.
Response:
{"hour": 2, "minute": 30}
